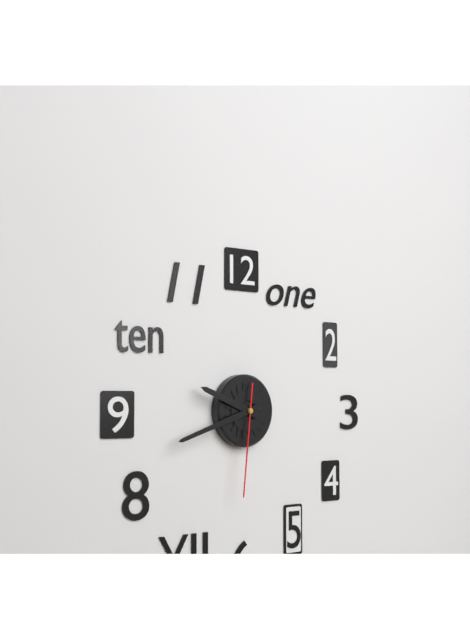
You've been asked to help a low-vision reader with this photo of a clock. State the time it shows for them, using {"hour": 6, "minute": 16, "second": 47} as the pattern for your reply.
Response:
{"hour": 9, "minute": 42, "second": 31}
